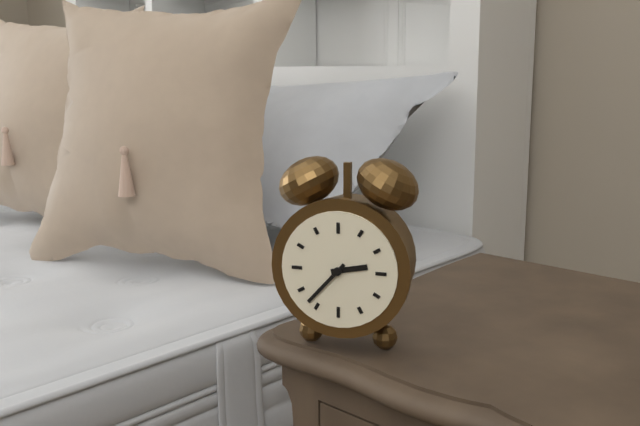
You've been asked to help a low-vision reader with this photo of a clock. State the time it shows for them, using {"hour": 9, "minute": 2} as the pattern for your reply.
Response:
{"hour": 2, "minute": 37}
